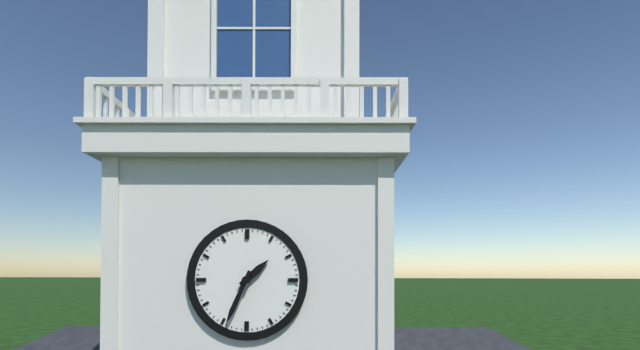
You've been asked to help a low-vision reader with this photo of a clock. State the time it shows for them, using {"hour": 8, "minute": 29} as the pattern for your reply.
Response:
{"hour": 1, "minute": 34}
